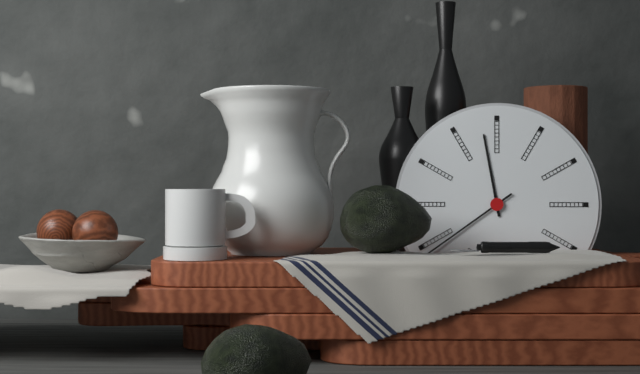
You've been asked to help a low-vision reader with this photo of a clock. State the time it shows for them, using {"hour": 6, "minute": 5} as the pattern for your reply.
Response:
{"hour": 11, "minute": 39}
